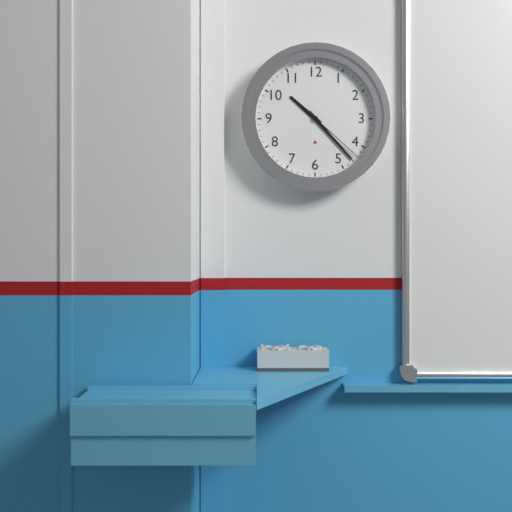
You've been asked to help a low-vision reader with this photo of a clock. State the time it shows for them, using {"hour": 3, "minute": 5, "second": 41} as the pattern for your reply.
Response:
{"hour": 10, "minute": 23, "second": 22}
